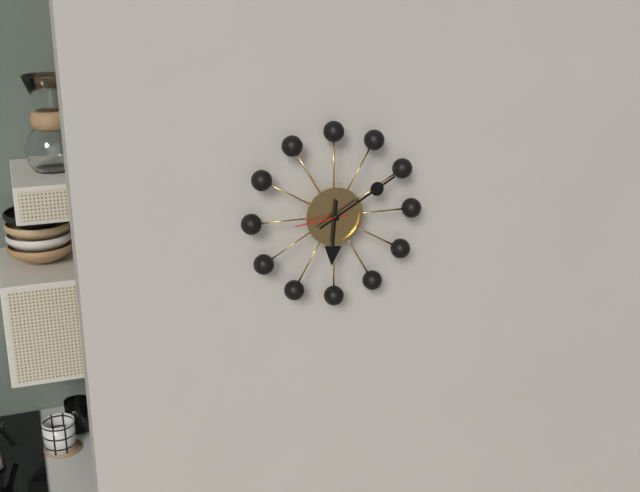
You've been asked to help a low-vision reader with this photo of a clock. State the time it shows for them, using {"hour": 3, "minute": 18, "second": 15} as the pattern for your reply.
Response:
{"hour": 6, "minute": 10, "second": 44}
